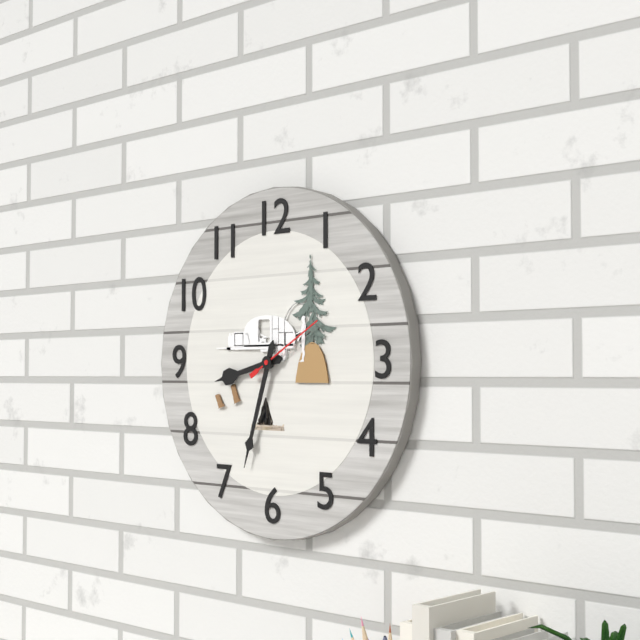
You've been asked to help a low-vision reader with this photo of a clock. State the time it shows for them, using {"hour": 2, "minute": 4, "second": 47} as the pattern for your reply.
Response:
{"hour": 8, "minute": 33, "second": 10}
